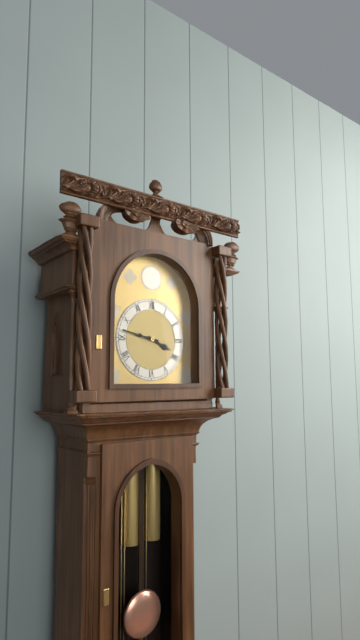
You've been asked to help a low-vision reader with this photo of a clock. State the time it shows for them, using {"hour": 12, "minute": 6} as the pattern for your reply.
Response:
{"hour": 3, "minute": 47}
